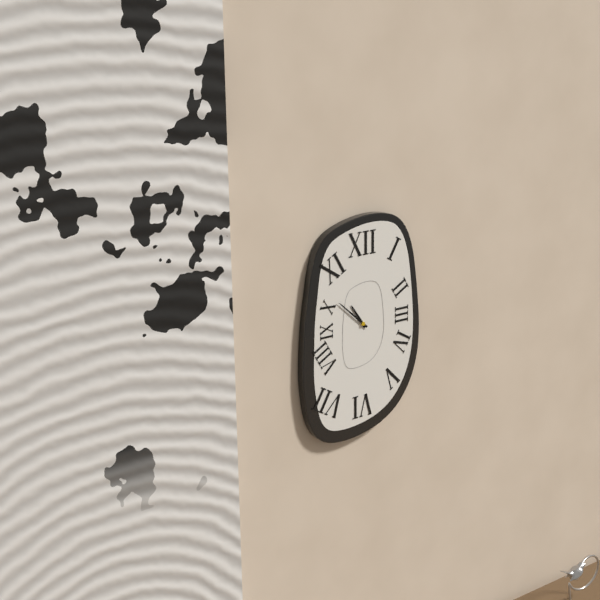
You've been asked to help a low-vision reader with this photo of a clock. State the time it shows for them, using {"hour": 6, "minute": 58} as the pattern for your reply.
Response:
{"hour": 10, "minute": 52}
